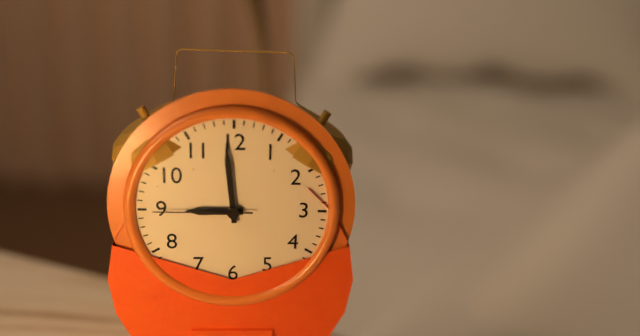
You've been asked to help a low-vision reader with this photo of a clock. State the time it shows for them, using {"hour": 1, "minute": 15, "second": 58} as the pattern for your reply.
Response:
{"hour": 8, "minute": 59, "second": 45}
